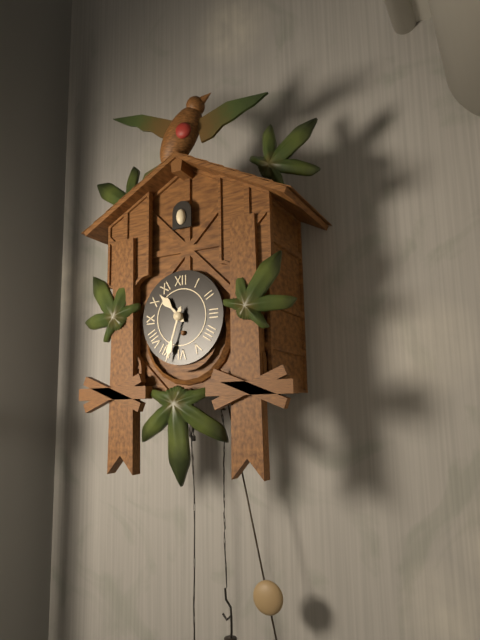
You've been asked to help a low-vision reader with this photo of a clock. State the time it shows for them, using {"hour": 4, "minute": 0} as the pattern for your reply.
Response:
{"hour": 10, "minute": 33}
